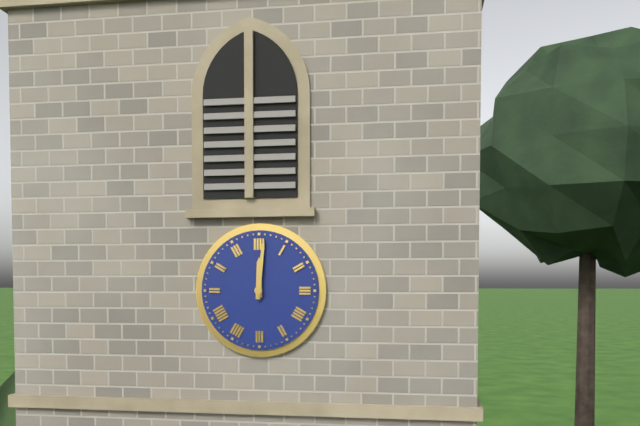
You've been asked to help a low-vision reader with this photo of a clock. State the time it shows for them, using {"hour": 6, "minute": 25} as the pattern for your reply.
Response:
{"hour": 12, "minute": 1}
